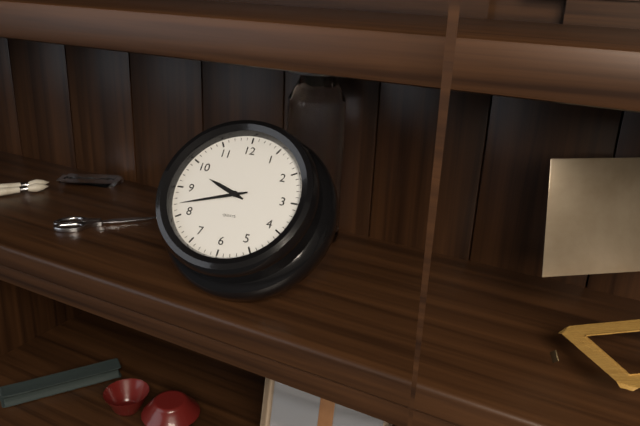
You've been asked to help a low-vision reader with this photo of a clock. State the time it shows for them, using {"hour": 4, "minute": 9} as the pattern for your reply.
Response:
{"hour": 9, "minute": 42}
